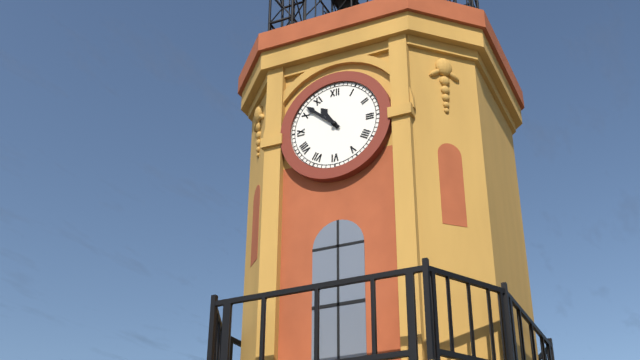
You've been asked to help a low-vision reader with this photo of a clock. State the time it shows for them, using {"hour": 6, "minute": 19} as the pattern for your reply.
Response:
{"hour": 10, "minute": 52}
